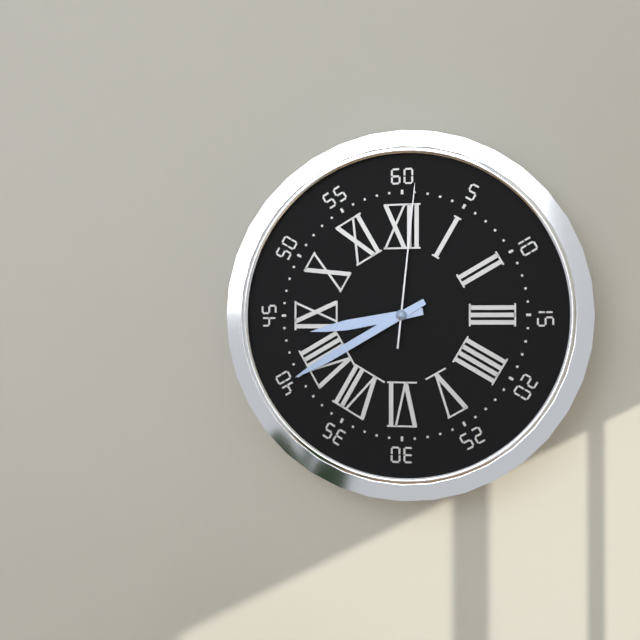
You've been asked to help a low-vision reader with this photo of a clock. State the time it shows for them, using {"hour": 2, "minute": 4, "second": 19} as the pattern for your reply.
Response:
{"hour": 8, "minute": 40, "second": 1}
